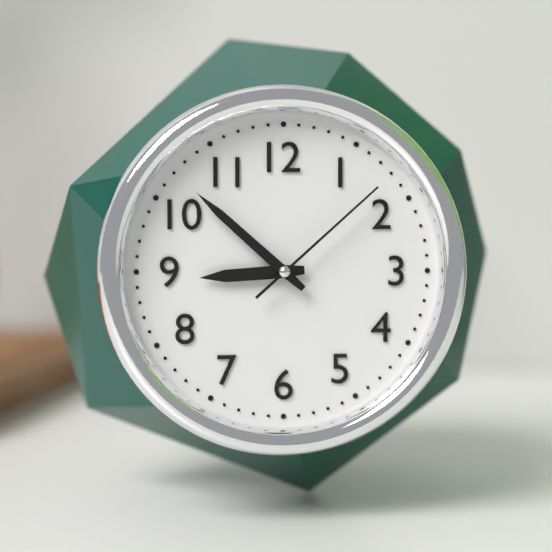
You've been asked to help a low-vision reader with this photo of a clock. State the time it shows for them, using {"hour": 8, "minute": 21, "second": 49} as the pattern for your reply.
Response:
{"hour": 8, "minute": 52, "second": 8}
